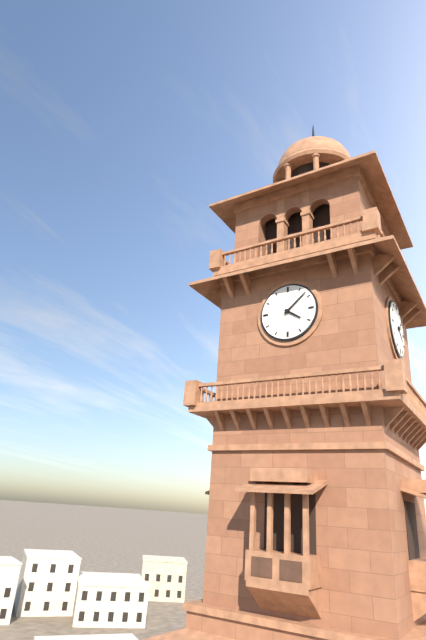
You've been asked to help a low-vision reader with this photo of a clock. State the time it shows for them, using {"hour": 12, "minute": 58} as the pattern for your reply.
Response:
{"hour": 4, "minute": 8}
